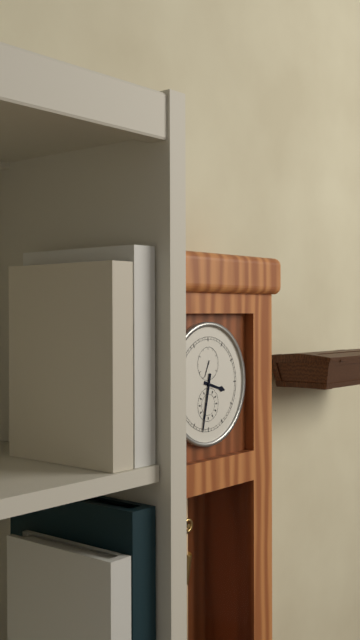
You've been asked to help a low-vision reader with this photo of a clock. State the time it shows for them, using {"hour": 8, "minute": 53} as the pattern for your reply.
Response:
{"hour": 3, "minute": 32}
